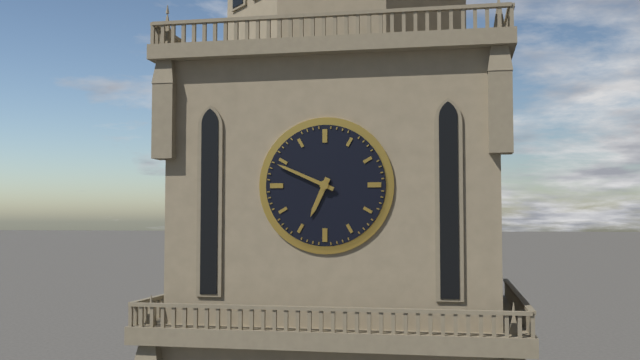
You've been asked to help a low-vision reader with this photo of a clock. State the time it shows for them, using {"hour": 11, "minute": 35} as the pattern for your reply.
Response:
{"hour": 6, "minute": 49}
